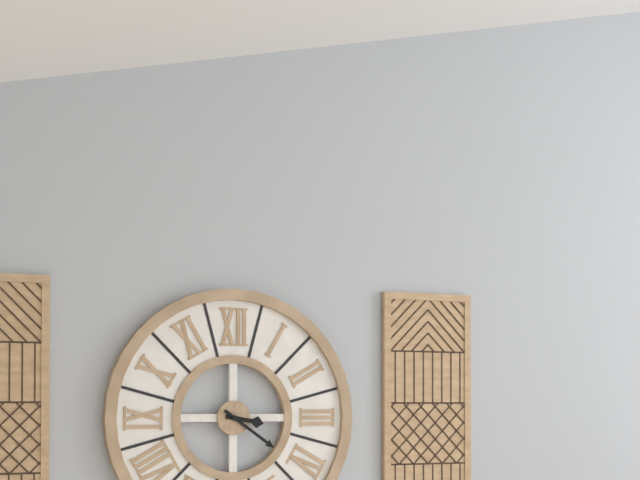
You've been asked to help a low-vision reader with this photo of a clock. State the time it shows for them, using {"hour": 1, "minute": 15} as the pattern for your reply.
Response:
{"hour": 3, "minute": 21}
